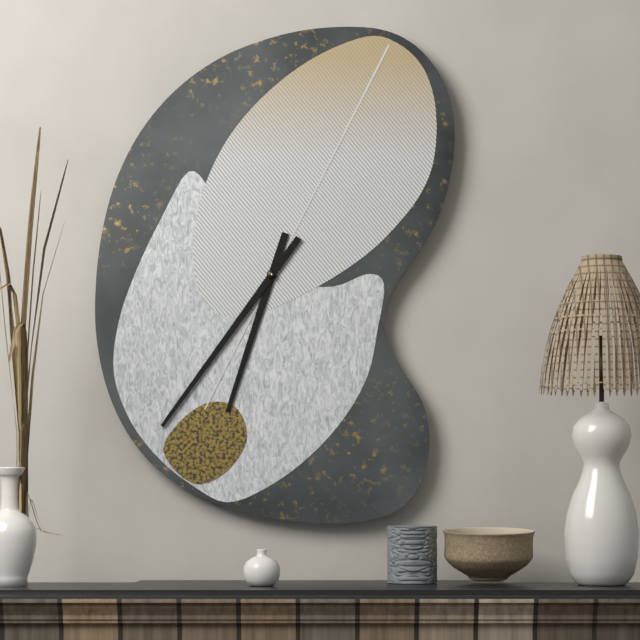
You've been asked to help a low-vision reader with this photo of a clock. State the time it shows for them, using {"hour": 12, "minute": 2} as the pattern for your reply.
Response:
{"hour": 6, "minute": 36}
